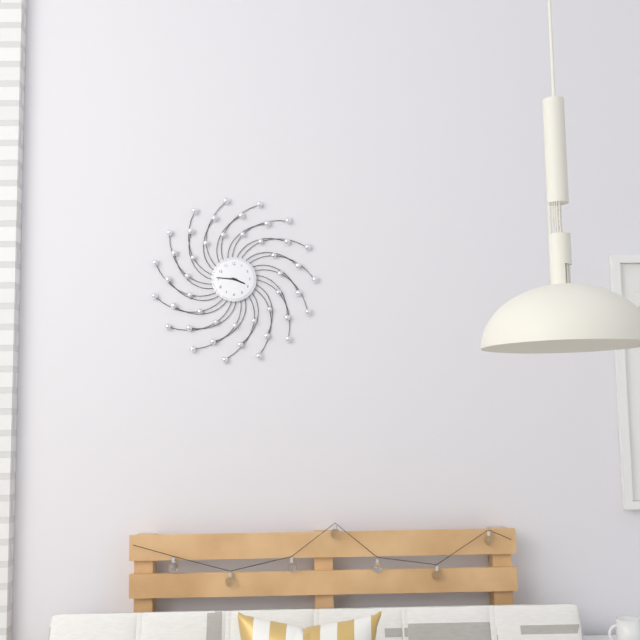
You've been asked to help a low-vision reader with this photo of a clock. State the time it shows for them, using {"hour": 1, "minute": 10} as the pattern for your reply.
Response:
{"hour": 3, "minute": 46}
